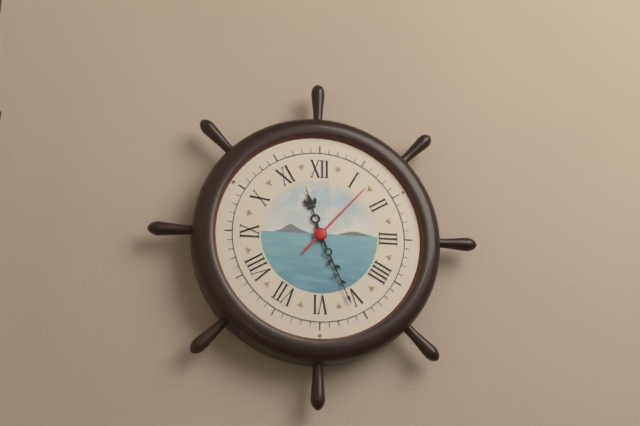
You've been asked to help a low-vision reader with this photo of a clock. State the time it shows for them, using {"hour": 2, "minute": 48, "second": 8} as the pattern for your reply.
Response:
{"hour": 11, "minute": 26, "second": 7}
